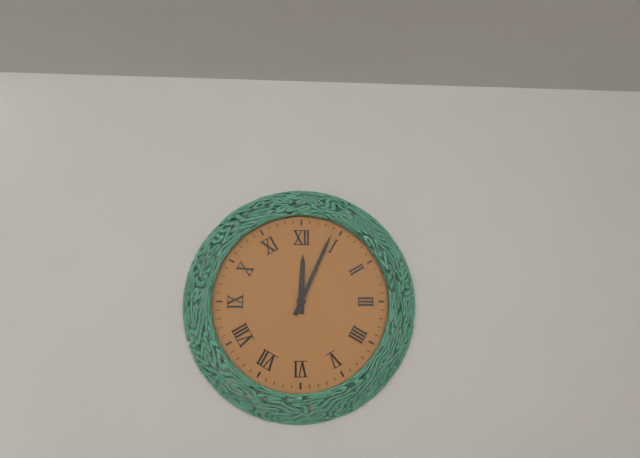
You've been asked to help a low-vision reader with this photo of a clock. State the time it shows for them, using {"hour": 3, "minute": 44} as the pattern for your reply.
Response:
{"hour": 12, "minute": 4}
